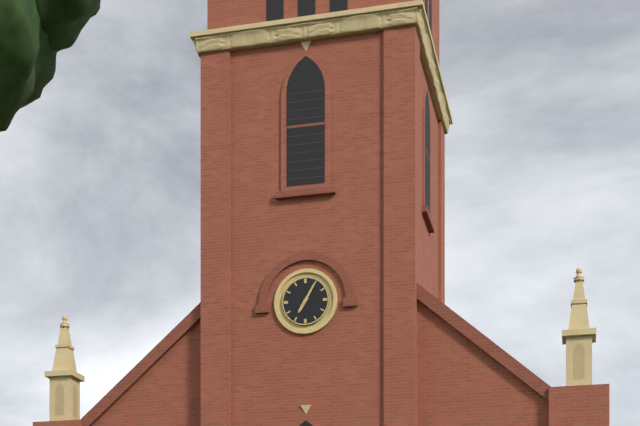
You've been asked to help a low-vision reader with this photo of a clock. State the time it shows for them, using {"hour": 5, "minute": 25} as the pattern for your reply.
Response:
{"hour": 7, "minute": 5}
